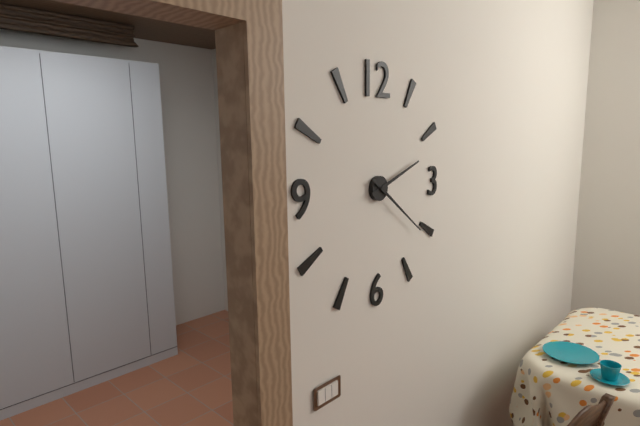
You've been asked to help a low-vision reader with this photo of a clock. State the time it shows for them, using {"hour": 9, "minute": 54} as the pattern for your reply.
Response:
{"hour": 2, "minute": 21}
